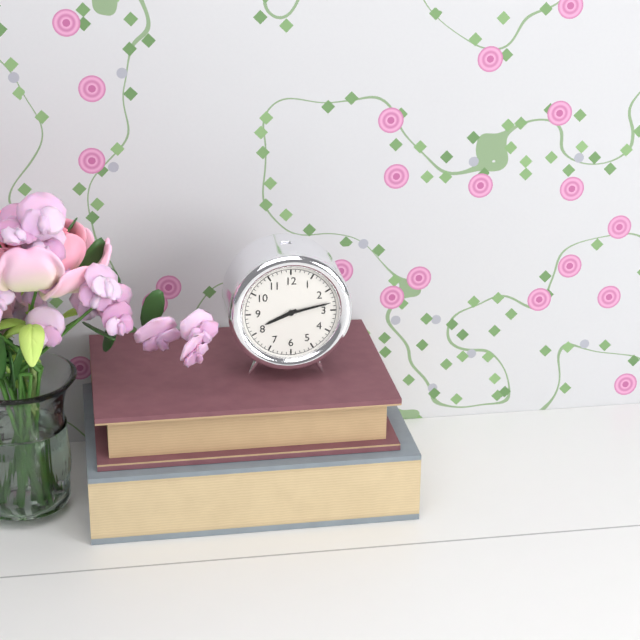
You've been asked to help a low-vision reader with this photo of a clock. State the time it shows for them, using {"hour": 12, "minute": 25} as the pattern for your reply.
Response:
{"hour": 8, "minute": 13}
